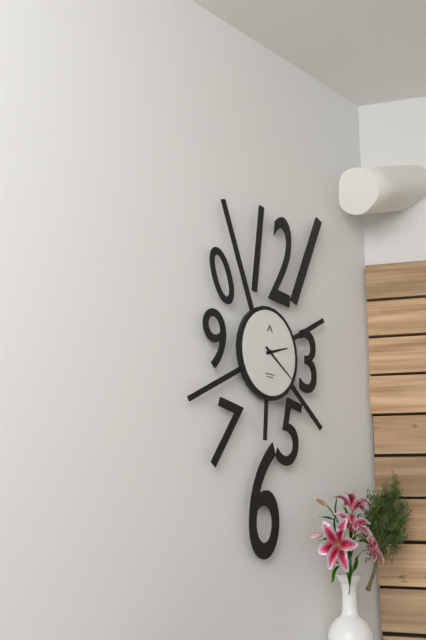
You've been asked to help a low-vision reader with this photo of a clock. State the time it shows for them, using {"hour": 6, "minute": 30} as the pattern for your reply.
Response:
{"hour": 2, "minute": 21}
